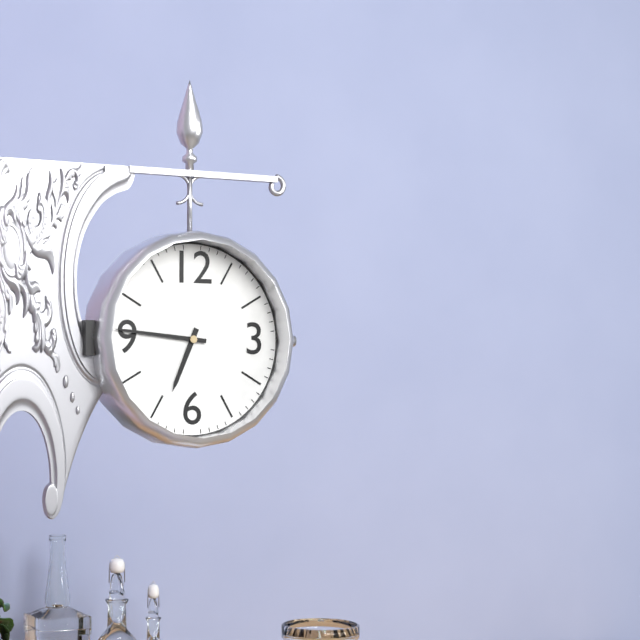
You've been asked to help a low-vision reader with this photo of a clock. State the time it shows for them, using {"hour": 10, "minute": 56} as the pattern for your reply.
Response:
{"hour": 6, "minute": 46}
